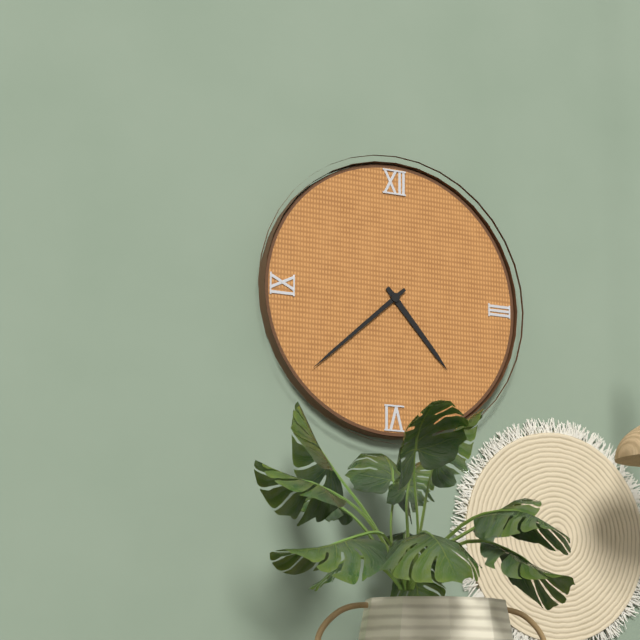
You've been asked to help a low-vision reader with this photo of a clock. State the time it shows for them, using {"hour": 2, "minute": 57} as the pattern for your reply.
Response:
{"hour": 4, "minute": 38}
